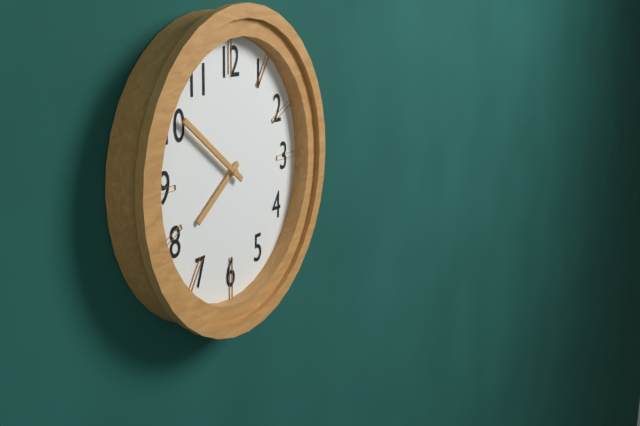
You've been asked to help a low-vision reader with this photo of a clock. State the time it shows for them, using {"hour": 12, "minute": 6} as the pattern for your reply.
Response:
{"hour": 7, "minute": 51}
